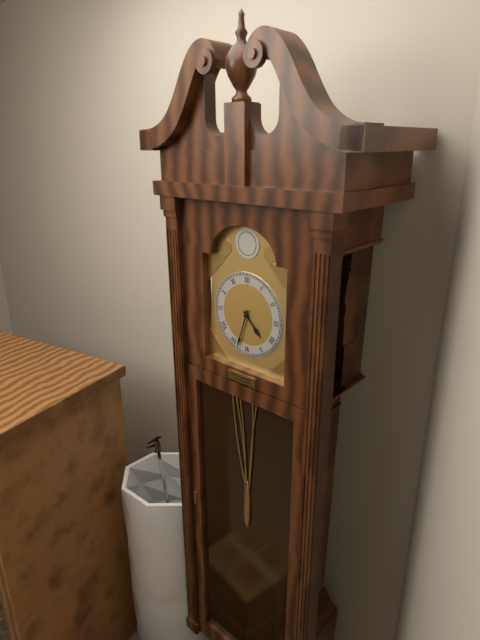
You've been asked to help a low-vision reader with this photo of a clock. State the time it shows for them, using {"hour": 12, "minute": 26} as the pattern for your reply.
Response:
{"hour": 4, "minute": 33}
